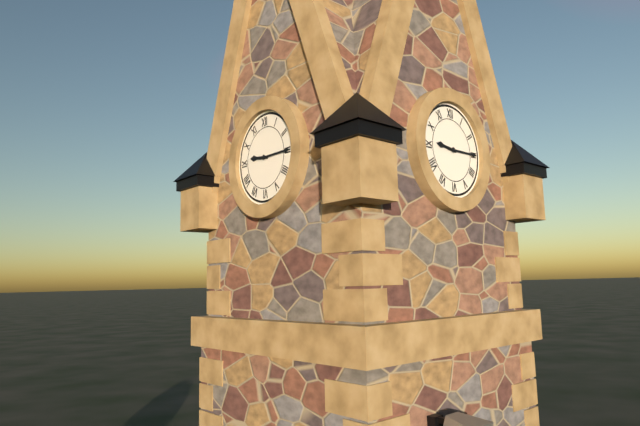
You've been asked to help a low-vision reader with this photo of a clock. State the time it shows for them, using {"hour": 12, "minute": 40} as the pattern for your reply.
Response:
{"hour": 9, "minute": 15}
